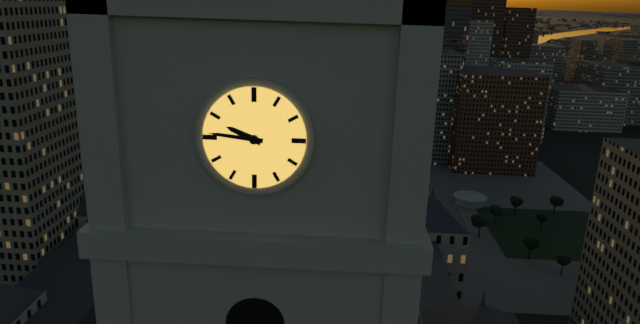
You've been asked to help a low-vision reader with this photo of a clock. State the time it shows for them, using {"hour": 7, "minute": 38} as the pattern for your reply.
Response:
{"hour": 9, "minute": 46}
